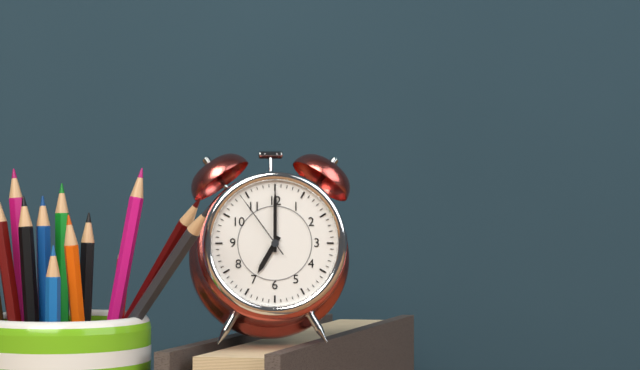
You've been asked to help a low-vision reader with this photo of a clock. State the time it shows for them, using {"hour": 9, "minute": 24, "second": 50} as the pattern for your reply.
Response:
{"hour": 7, "minute": 0, "second": 54}
